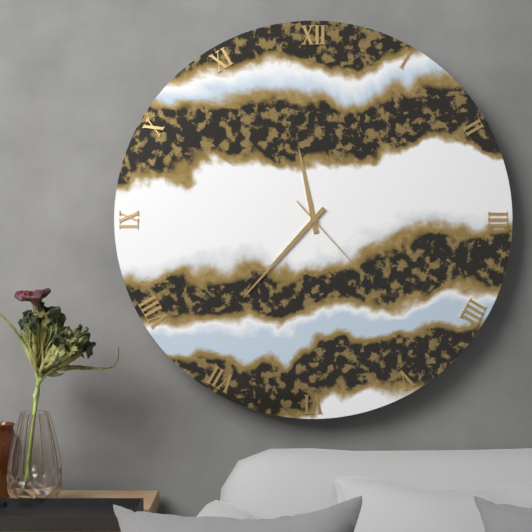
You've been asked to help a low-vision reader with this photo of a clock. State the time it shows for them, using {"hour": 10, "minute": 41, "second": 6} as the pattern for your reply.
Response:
{"hour": 11, "minute": 37, "second": 23}
